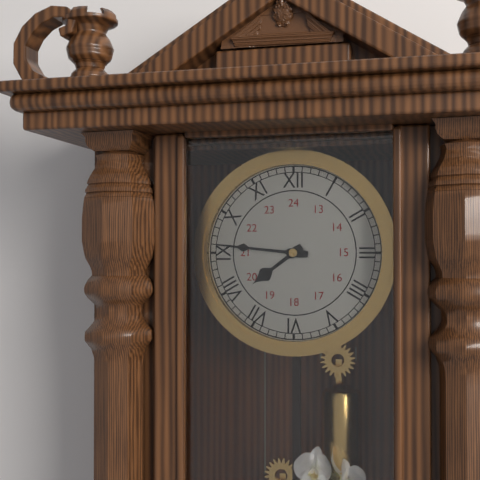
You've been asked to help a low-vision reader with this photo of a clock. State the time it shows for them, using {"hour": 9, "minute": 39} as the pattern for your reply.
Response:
{"hour": 7, "minute": 46}
